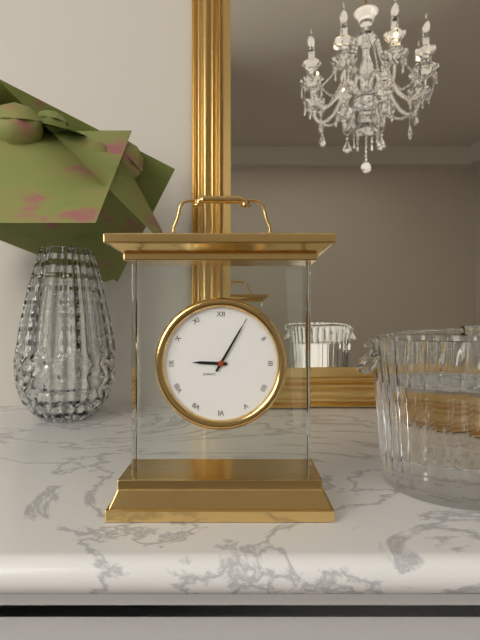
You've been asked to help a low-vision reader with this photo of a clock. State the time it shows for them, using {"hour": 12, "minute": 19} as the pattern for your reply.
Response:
{"hour": 9, "minute": 5}
